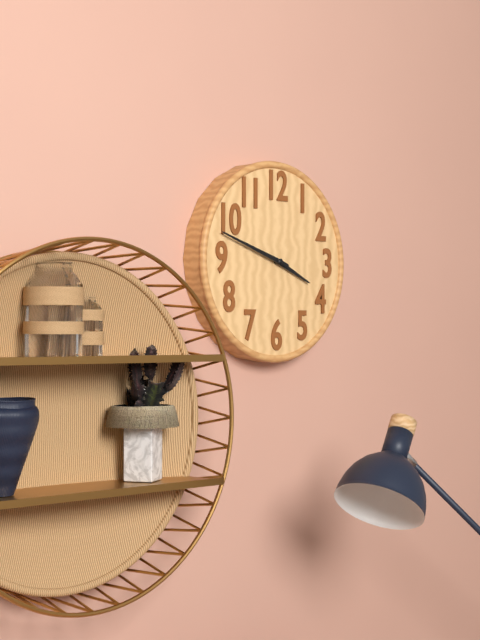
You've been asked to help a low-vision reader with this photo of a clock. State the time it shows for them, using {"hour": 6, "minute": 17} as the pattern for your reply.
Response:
{"hour": 3, "minute": 48}
